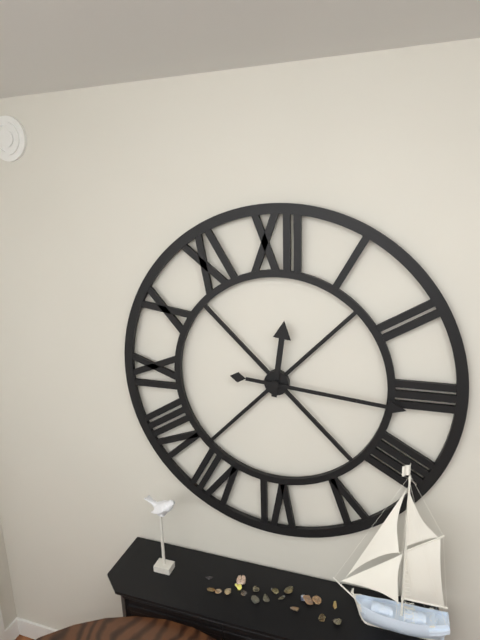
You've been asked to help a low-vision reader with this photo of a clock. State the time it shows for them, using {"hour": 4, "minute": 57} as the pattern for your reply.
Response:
{"hour": 12, "minute": 16}
